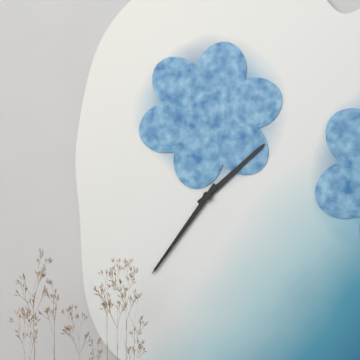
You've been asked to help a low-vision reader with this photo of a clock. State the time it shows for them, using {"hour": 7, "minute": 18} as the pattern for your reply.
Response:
{"hour": 1, "minute": 36}
